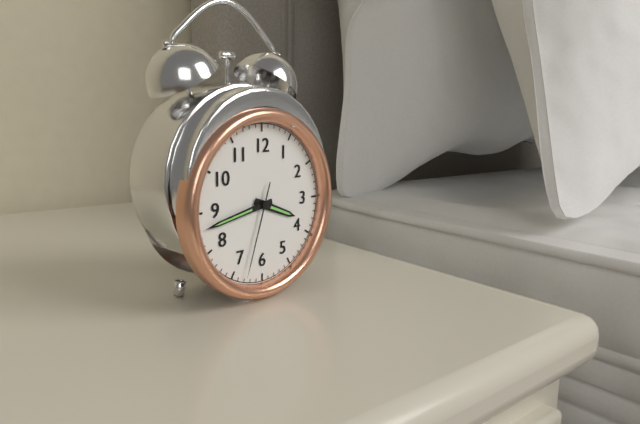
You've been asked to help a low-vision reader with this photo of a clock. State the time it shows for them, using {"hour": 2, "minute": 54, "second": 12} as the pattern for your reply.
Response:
{"hour": 3, "minute": 43, "second": 33}
